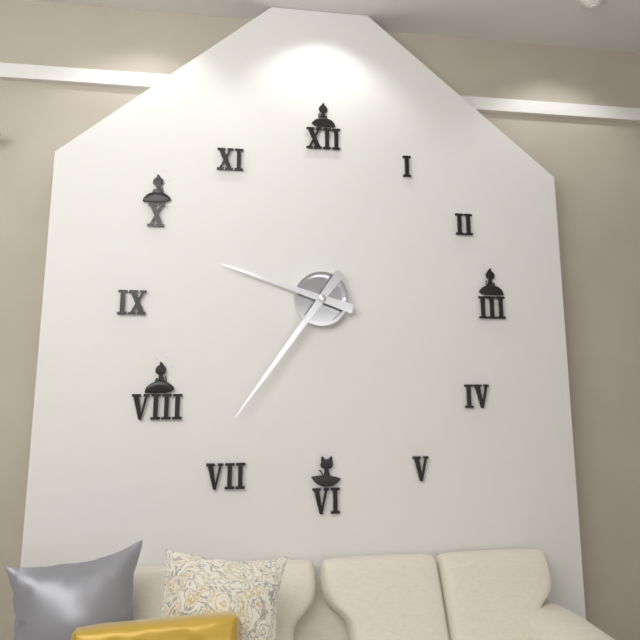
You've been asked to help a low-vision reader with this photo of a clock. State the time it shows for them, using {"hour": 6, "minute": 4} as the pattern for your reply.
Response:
{"hour": 9, "minute": 36}
